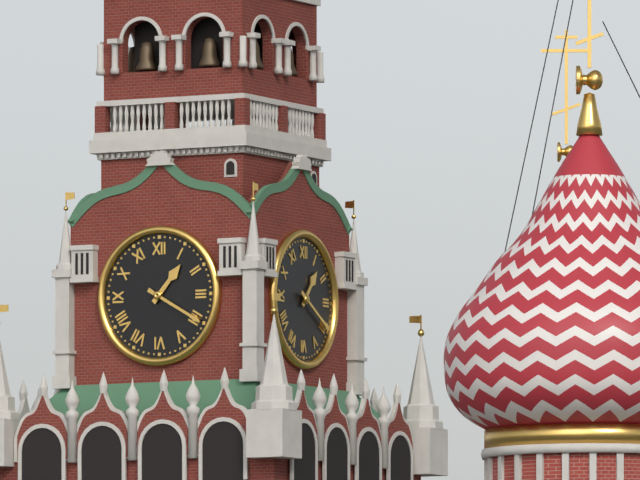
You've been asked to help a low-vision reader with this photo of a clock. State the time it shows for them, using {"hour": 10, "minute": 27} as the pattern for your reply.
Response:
{"hour": 1, "minute": 20}
